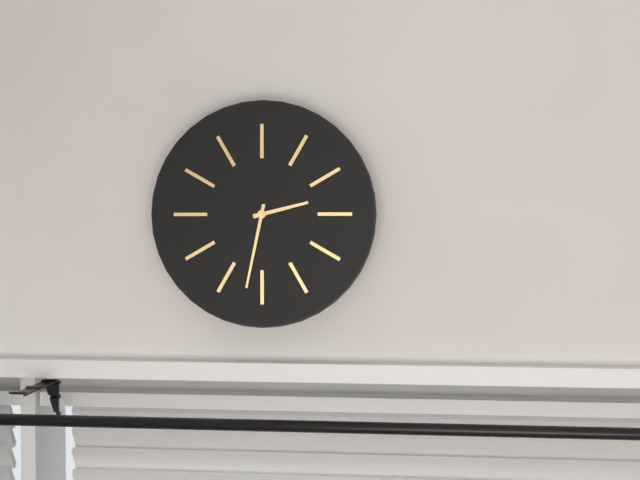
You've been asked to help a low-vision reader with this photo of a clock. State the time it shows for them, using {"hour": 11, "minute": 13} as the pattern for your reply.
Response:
{"hour": 2, "minute": 32}
